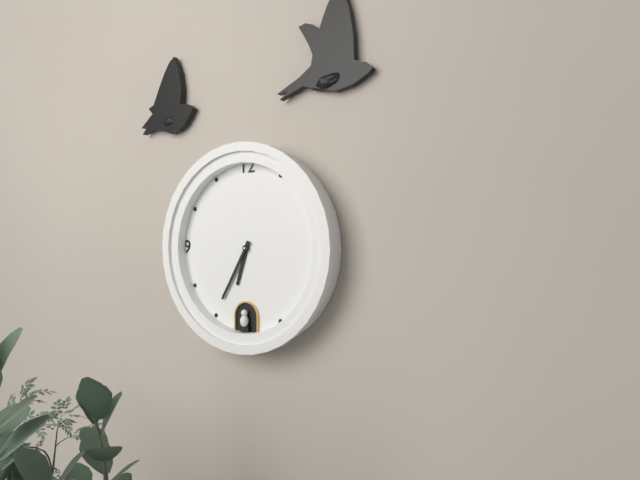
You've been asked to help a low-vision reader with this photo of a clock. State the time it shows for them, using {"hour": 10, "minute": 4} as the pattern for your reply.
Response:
{"hour": 6, "minute": 35}
